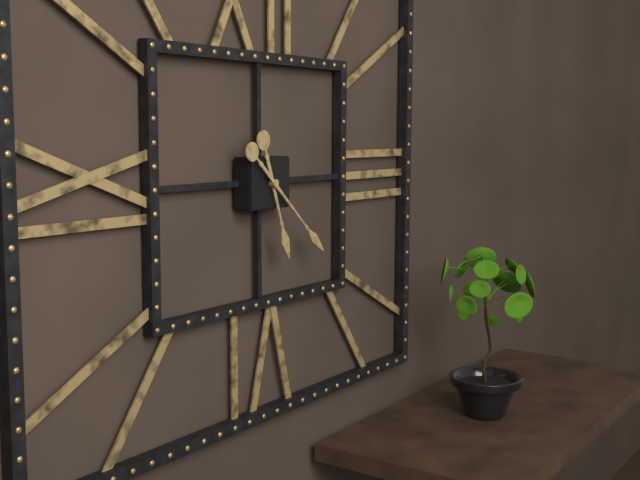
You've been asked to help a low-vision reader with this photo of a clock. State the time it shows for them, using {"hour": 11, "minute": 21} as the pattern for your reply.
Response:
{"hour": 5, "minute": 22}
